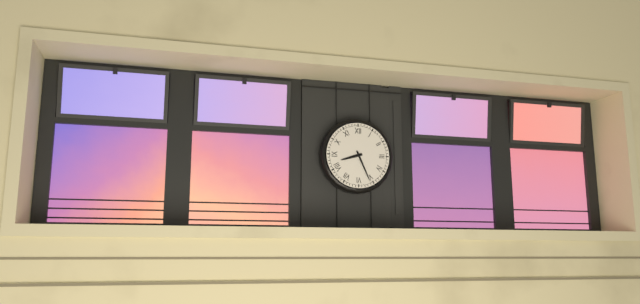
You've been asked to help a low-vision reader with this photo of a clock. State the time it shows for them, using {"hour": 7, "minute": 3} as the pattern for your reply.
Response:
{"hour": 8, "minute": 26}
